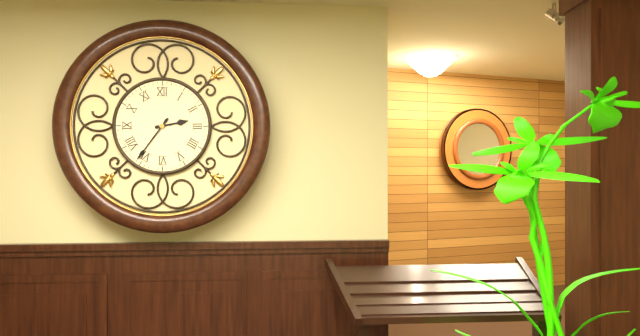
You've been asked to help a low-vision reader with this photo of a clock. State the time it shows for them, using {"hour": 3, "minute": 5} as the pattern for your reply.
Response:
{"hour": 2, "minute": 36}
